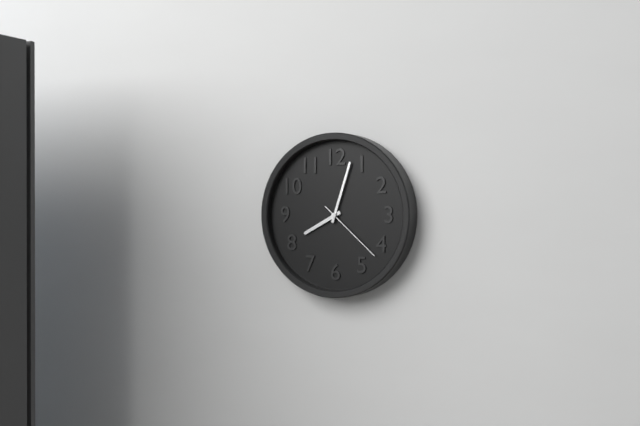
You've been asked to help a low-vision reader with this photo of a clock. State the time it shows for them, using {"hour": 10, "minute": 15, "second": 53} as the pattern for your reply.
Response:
{"hour": 8, "minute": 3, "second": 22}
